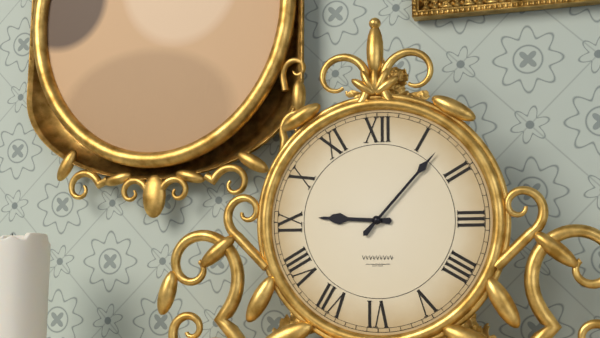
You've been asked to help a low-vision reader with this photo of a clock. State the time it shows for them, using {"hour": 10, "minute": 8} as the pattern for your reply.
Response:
{"hour": 9, "minute": 7}
